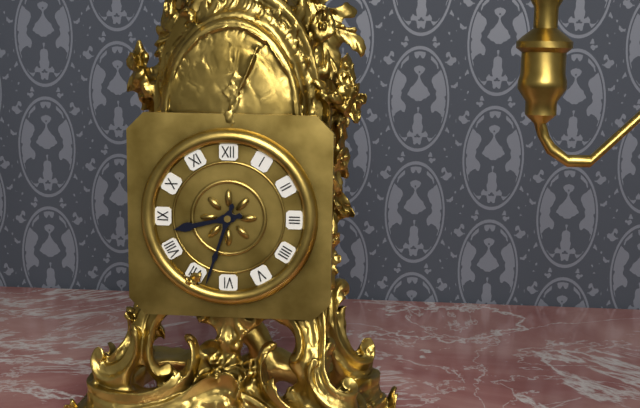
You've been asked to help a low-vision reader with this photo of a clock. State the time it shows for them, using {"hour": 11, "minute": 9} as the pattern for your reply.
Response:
{"hour": 8, "minute": 33}
